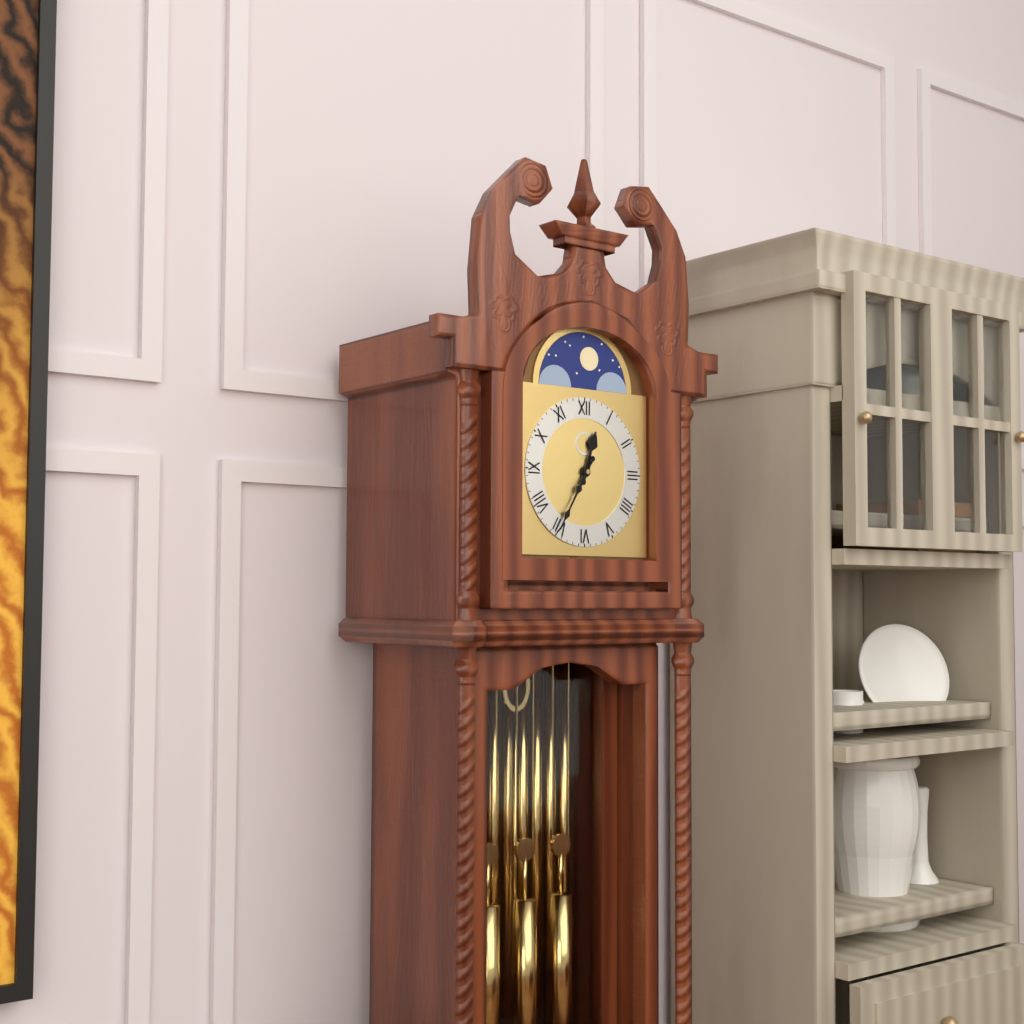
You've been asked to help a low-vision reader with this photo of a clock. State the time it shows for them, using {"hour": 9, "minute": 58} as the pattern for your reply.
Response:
{"hour": 12, "minute": 35}
